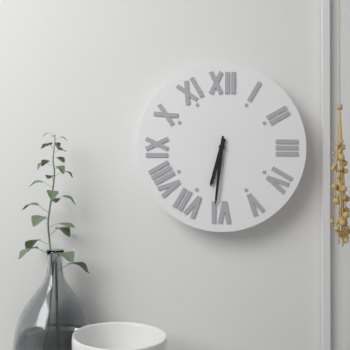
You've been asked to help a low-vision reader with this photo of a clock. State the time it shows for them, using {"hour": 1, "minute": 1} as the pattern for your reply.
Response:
{"hour": 6, "minute": 31}
